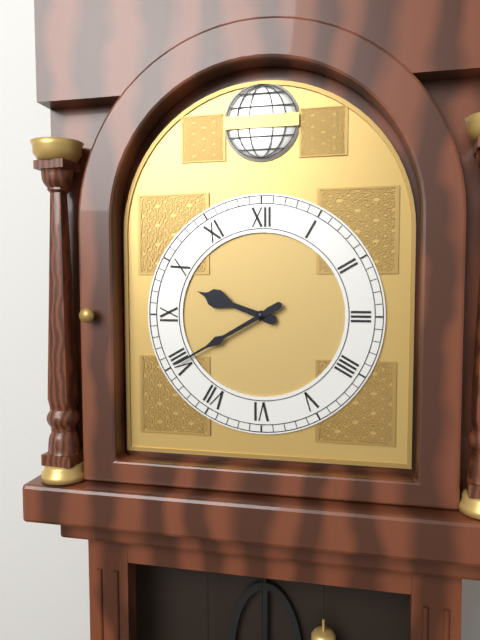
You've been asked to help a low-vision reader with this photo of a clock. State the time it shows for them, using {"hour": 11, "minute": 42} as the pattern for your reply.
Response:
{"hour": 9, "minute": 40}
